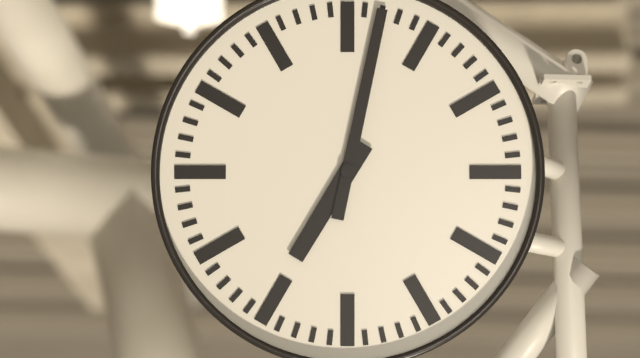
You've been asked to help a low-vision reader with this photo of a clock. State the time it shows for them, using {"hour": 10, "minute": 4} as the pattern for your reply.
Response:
{"hour": 7, "minute": 2}
